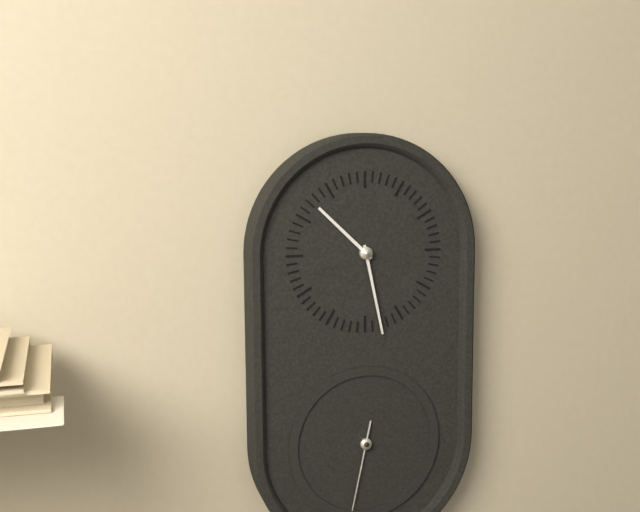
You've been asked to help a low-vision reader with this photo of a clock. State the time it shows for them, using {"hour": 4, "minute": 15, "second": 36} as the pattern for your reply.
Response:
{"hour": 10, "minute": 28, "second": 32}
